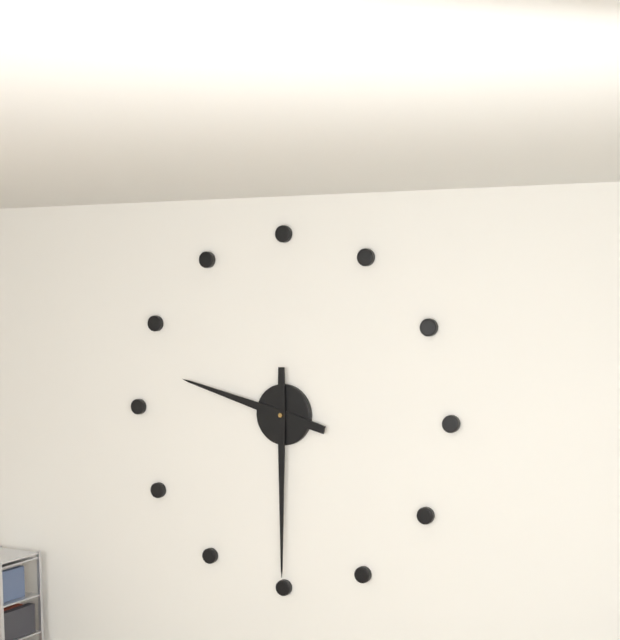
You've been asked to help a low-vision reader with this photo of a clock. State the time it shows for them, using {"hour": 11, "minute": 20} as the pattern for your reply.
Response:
{"hour": 9, "minute": 30}
